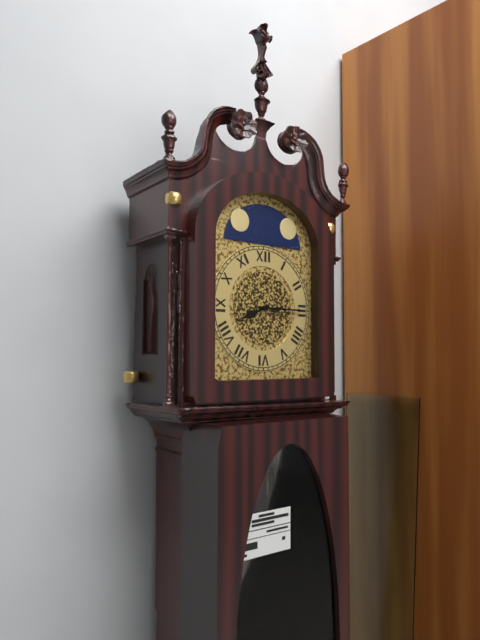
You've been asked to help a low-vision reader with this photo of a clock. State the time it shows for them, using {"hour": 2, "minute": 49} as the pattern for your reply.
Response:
{"hour": 8, "minute": 15}
